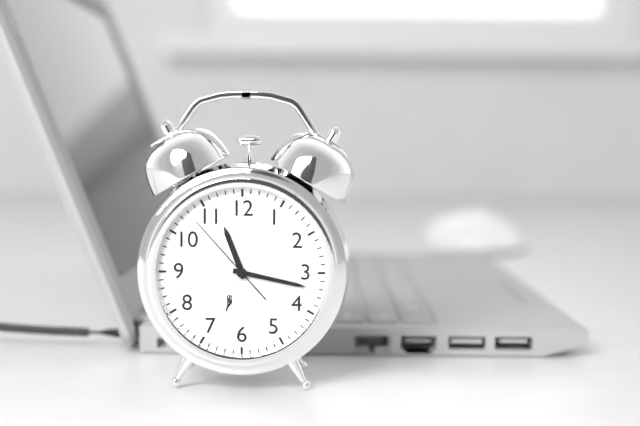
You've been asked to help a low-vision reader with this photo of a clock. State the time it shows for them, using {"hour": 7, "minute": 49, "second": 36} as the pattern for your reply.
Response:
{"hour": 11, "minute": 17, "second": 53}
